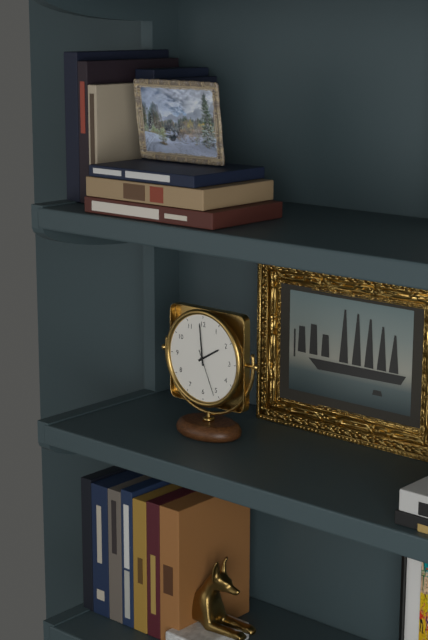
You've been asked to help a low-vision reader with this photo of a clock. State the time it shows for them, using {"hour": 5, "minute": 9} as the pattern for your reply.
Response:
{"hour": 1, "minute": 59}
